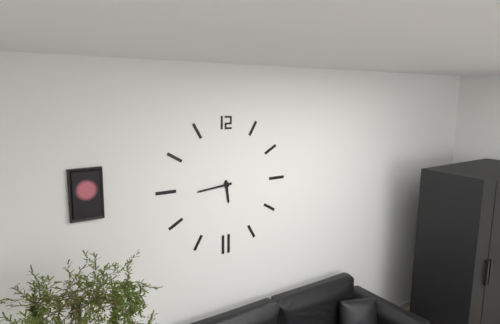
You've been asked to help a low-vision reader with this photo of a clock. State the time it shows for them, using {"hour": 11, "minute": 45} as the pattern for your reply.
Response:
{"hour": 5, "minute": 44}
